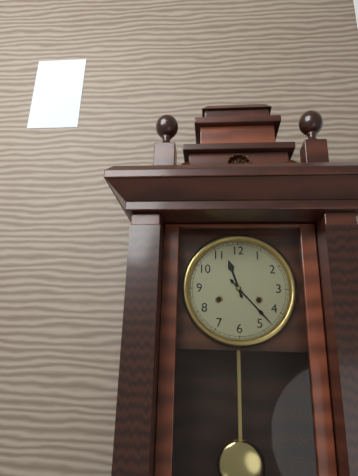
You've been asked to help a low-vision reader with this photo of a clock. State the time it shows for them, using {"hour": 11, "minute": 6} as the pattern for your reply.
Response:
{"hour": 11, "minute": 23}
